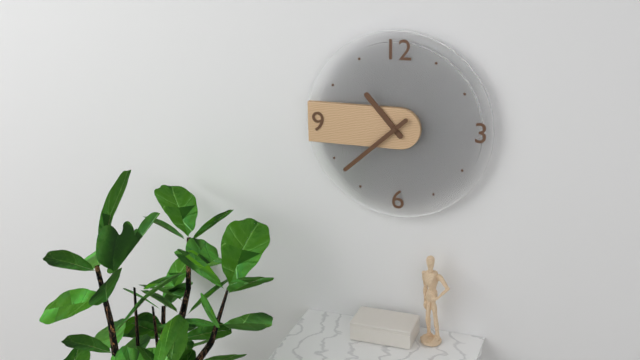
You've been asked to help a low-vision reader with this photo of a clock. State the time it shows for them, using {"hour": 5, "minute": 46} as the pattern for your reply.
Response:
{"hour": 10, "minute": 38}
